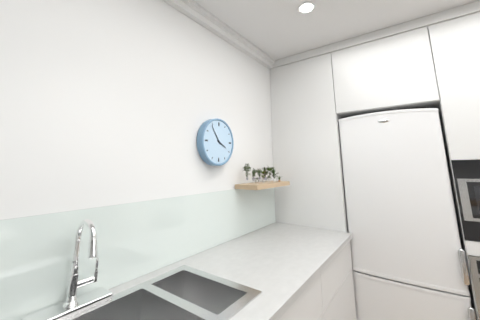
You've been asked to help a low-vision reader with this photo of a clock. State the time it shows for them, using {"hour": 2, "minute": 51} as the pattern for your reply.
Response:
{"hour": 3, "minute": 54}
